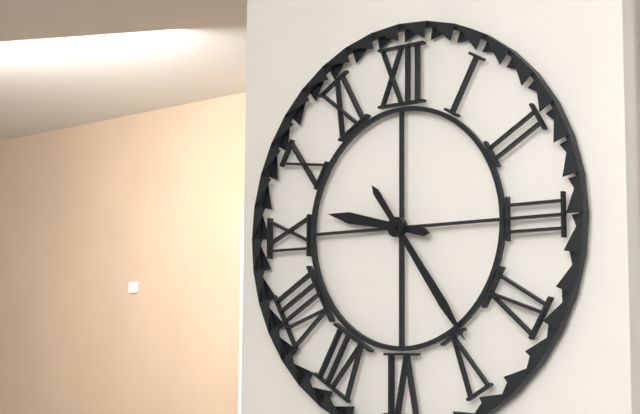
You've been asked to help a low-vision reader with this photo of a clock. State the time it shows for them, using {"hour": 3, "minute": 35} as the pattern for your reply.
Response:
{"hour": 9, "minute": 24}
